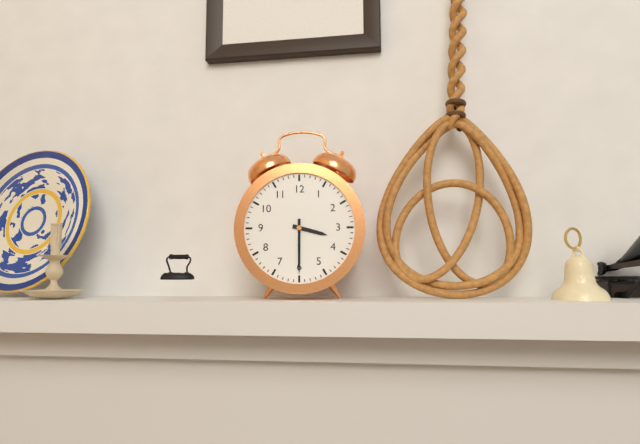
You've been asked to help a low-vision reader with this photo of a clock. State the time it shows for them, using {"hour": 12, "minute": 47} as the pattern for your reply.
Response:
{"hour": 3, "minute": 30}
